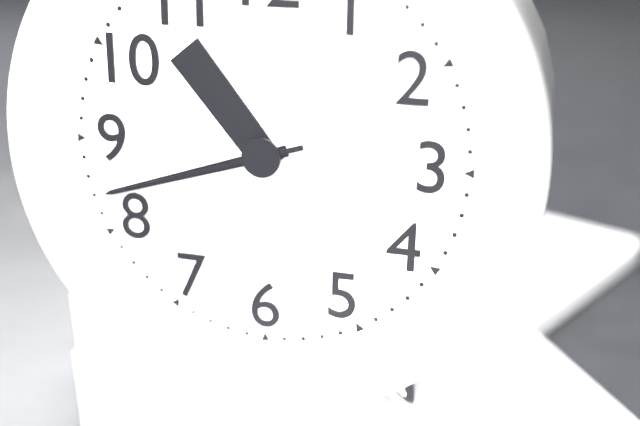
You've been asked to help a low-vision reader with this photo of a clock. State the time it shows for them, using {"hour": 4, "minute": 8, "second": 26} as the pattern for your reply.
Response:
{"hour": 10, "minute": 42, "second": 42}
